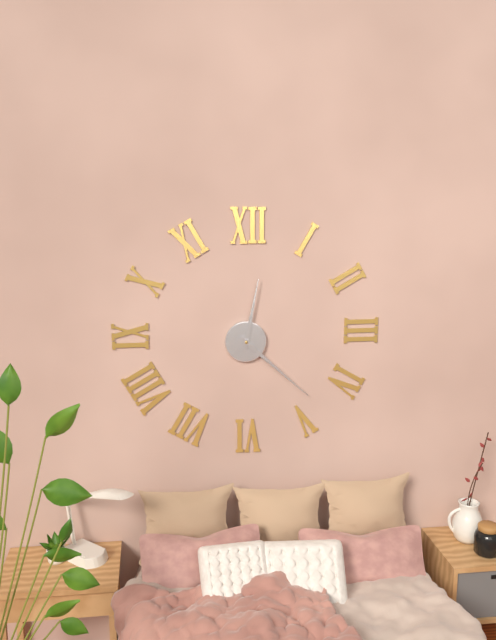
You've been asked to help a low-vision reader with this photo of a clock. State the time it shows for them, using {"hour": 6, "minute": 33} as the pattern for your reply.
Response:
{"hour": 12, "minute": 22}
